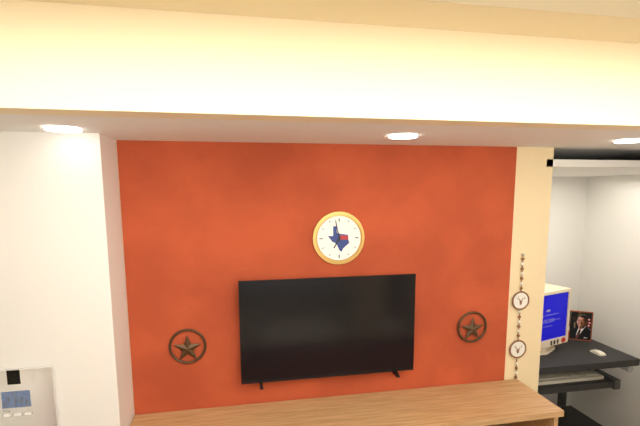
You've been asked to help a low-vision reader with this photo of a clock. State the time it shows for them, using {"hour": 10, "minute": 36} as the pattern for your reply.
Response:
{"hour": 6, "minute": 58}
